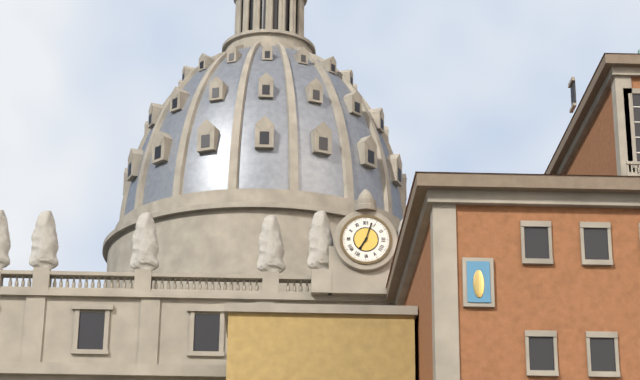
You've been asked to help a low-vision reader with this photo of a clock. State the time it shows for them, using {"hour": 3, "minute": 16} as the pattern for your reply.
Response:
{"hour": 7, "minute": 3}
